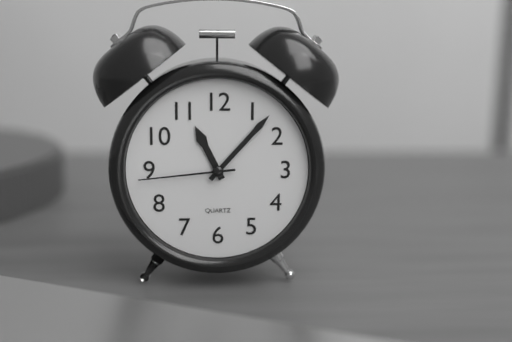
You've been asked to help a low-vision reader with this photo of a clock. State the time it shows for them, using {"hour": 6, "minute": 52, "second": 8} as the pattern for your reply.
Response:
{"hour": 11, "minute": 7, "second": 44}
